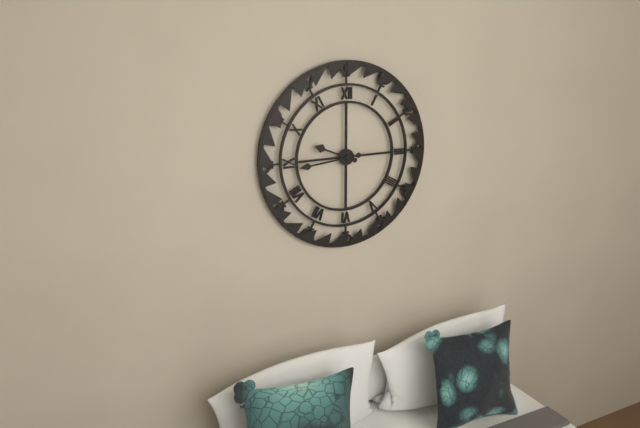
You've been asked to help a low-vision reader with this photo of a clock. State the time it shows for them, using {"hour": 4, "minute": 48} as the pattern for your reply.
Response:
{"hour": 9, "minute": 44}
